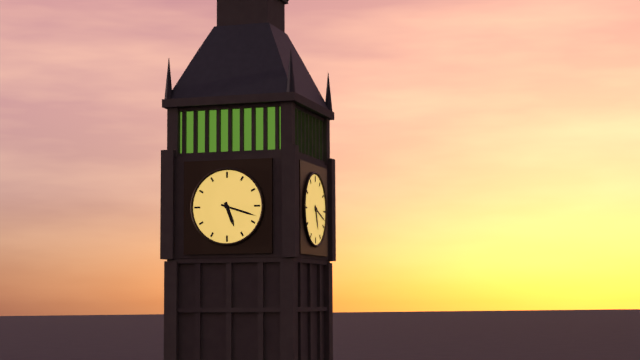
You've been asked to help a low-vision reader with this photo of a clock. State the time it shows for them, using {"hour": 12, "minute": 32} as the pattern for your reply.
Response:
{"hour": 5, "minute": 18}
